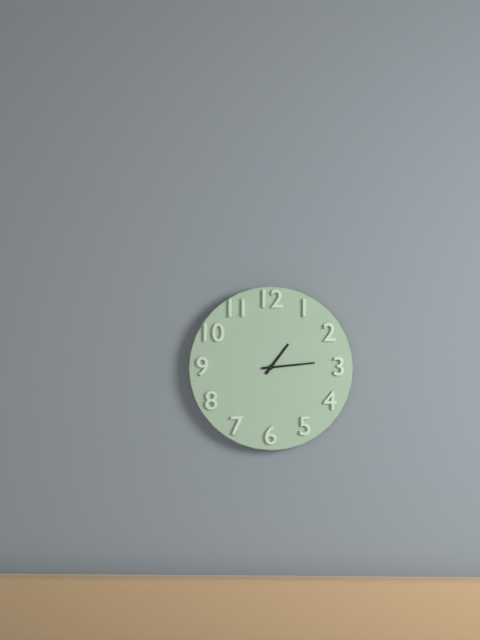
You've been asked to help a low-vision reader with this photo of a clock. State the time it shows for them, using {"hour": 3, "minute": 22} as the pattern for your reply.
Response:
{"hour": 1, "minute": 14}
